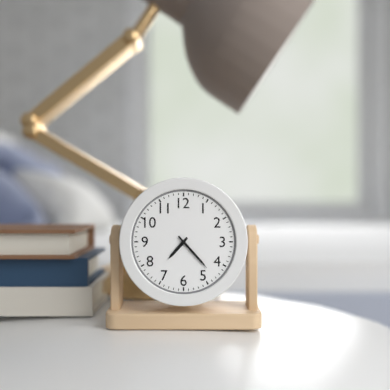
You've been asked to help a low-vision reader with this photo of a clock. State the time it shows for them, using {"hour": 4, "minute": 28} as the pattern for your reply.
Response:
{"hour": 7, "minute": 23}
